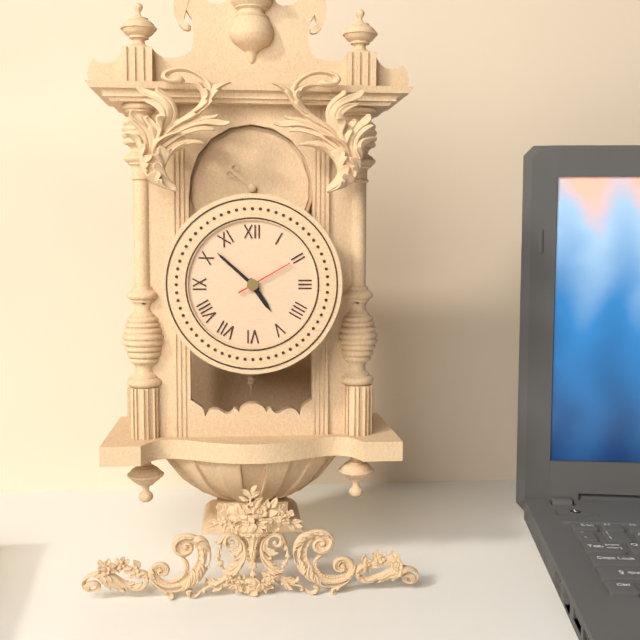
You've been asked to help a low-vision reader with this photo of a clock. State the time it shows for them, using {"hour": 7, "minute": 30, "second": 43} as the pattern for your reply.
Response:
{"hour": 4, "minute": 52, "second": 10}
